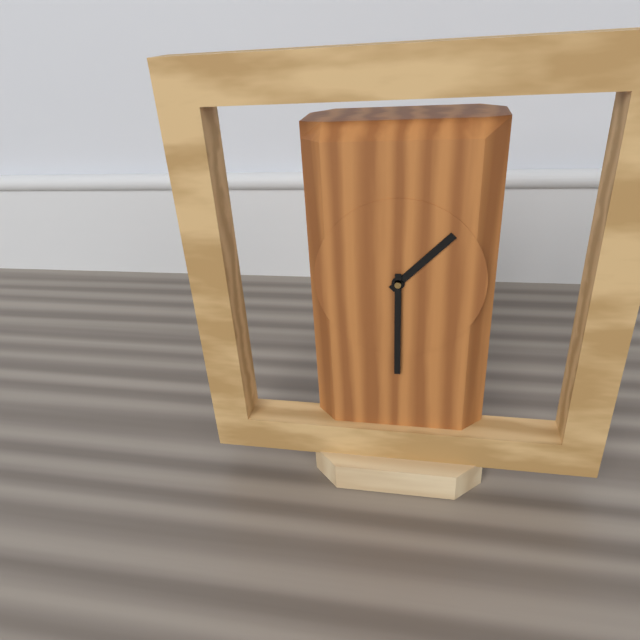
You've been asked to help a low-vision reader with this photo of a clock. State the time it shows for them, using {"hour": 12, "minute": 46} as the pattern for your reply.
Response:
{"hour": 1, "minute": 30}
